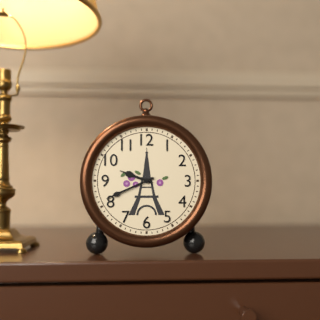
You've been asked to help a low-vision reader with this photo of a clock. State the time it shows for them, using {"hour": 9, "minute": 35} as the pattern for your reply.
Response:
{"hour": 9, "minute": 41}
